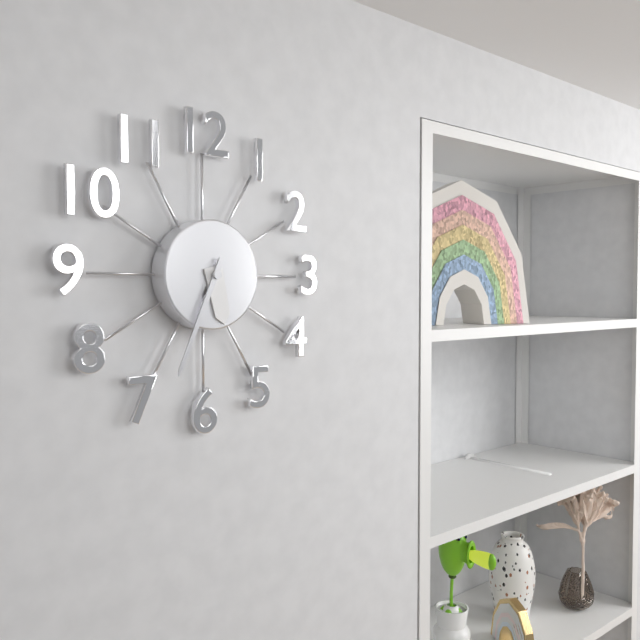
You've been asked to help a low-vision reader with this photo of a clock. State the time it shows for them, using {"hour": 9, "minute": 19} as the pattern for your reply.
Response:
{"hour": 5, "minute": 34}
